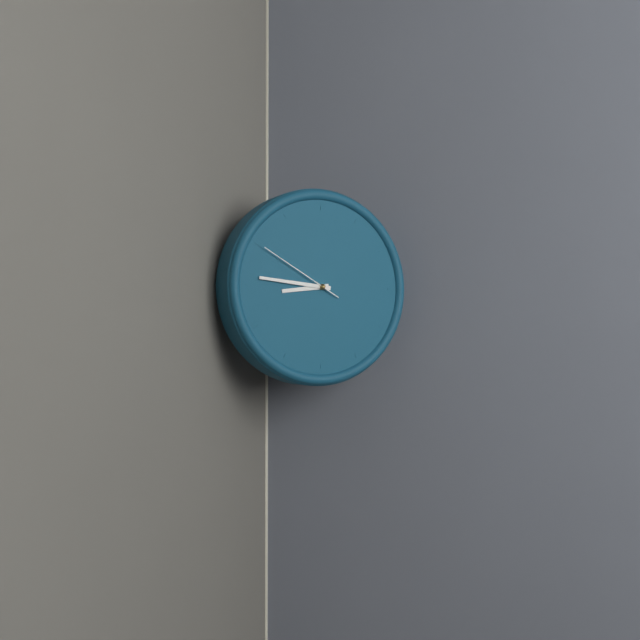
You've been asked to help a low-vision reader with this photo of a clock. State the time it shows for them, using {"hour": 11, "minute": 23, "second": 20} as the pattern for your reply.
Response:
{"hour": 8, "minute": 46, "second": 50}
